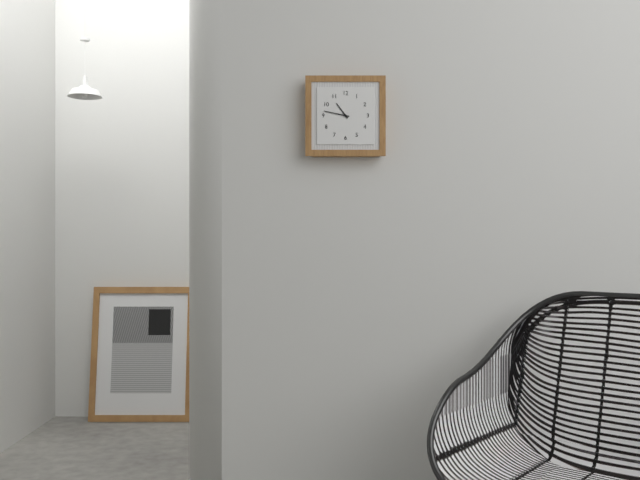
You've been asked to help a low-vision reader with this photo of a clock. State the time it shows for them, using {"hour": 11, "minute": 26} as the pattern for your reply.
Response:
{"hour": 10, "minute": 47}
